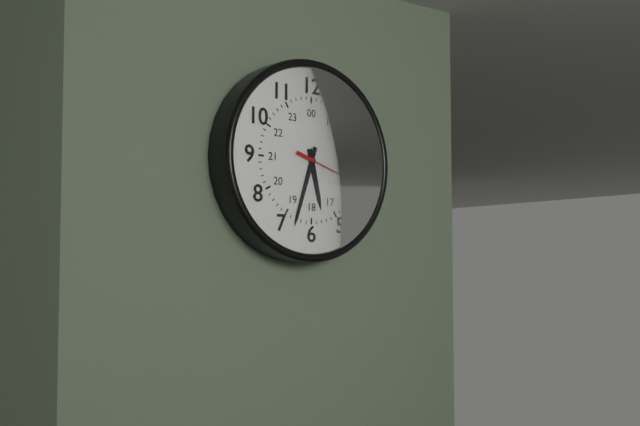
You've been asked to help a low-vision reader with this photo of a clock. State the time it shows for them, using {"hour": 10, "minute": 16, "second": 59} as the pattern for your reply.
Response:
{"hour": 5, "minute": 33, "second": 18}
